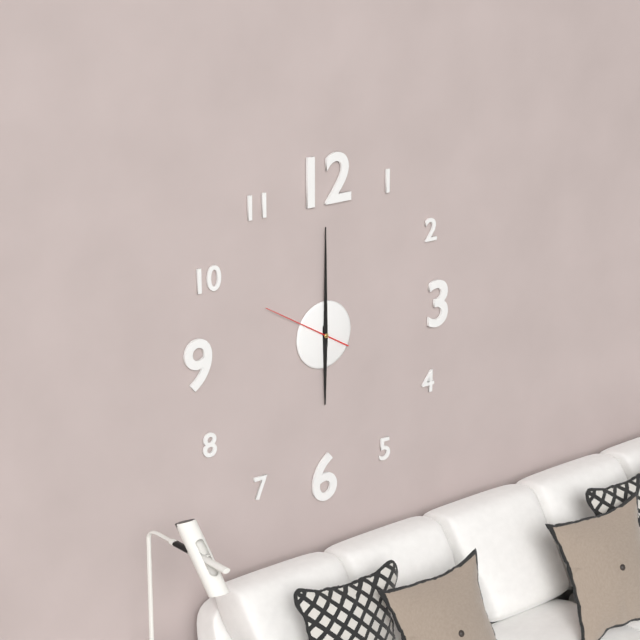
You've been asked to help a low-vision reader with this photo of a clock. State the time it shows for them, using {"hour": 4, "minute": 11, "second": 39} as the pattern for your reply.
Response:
{"hour": 6, "minute": 0, "second": 50}
